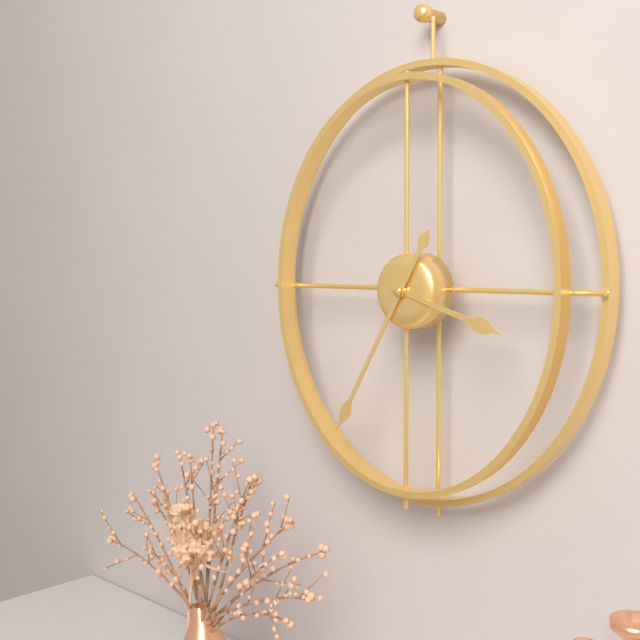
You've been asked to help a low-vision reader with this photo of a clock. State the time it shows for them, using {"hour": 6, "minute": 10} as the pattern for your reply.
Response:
{"hour": 3, "minute": 35}
